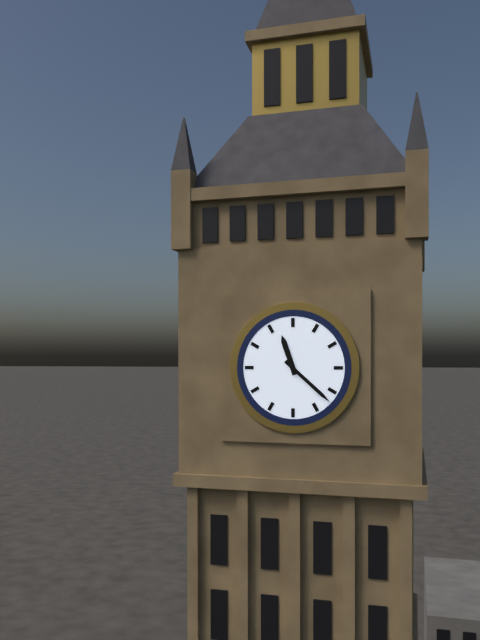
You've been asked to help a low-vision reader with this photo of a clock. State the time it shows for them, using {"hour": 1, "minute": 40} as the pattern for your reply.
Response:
{"hour": 11, "minute": 22}
